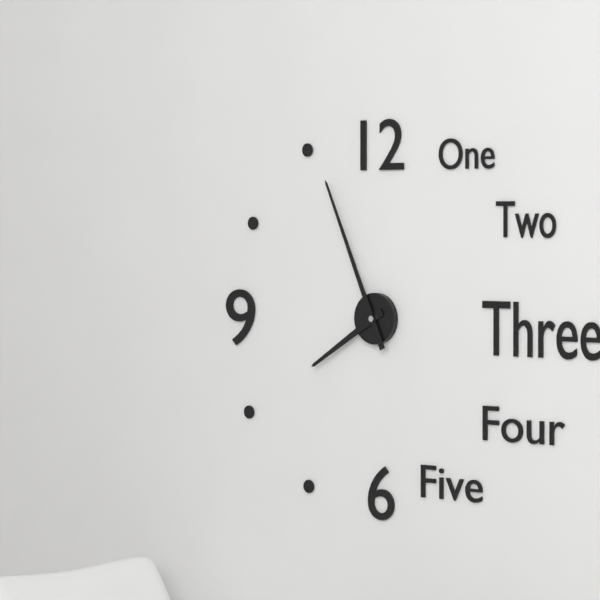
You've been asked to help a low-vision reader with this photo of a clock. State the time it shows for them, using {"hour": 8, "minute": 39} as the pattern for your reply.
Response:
{"hour": 7, "minute": 56}
